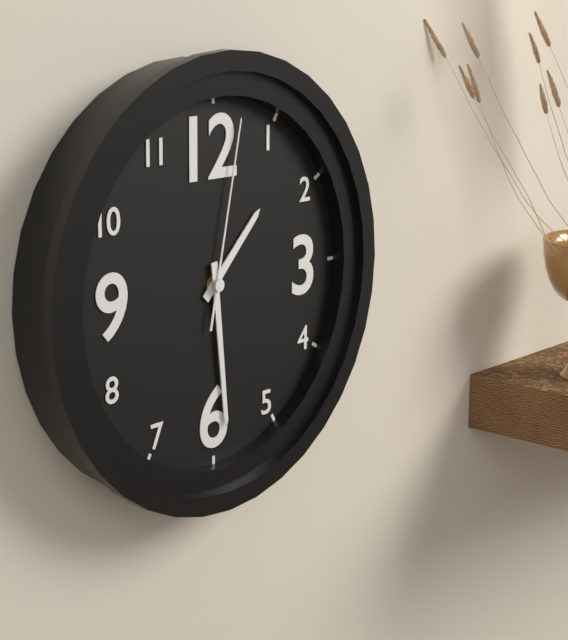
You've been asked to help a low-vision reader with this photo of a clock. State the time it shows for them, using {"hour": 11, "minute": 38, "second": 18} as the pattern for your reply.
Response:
{"hour": 1, "minute": 29, "second": 2}
